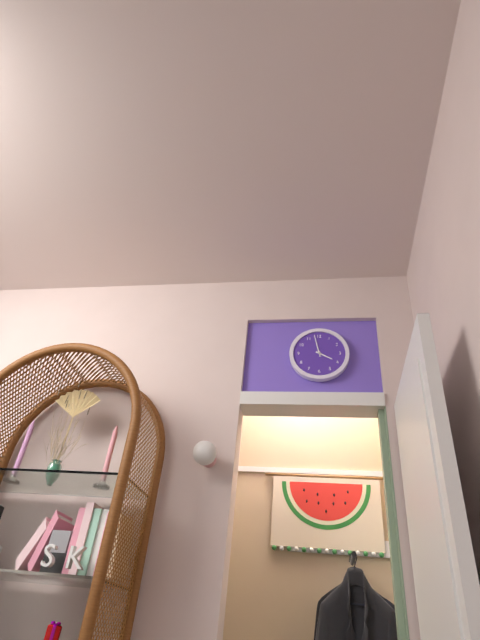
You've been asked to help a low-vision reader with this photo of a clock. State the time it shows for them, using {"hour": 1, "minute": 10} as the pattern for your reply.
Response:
{"hour": 3, "minute": 58}
